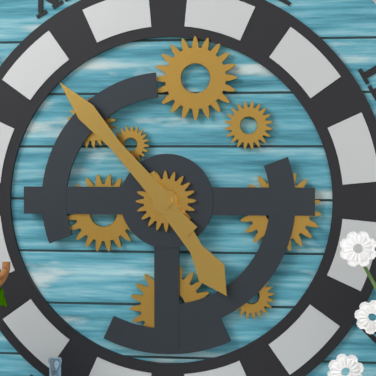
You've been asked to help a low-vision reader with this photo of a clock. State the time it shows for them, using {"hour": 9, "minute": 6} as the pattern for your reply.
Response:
{"hour": 4, "minute": 53}
